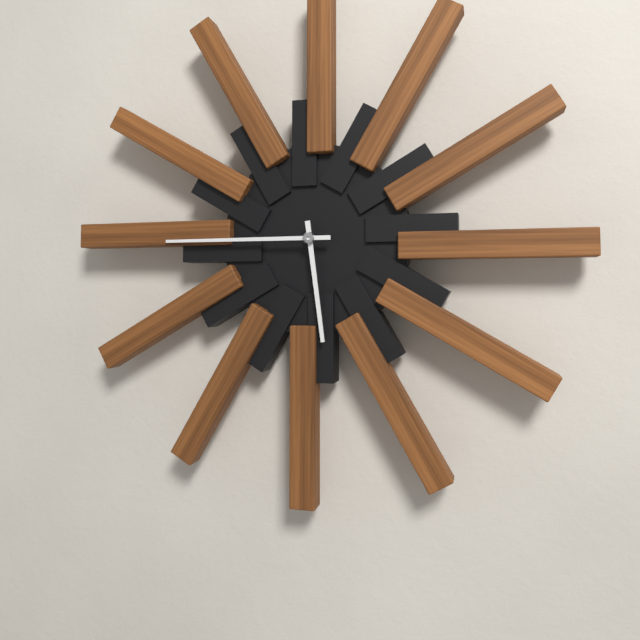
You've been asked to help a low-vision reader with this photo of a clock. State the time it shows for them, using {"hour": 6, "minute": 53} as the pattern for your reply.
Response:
{"hour": 5, "minute": 45}
